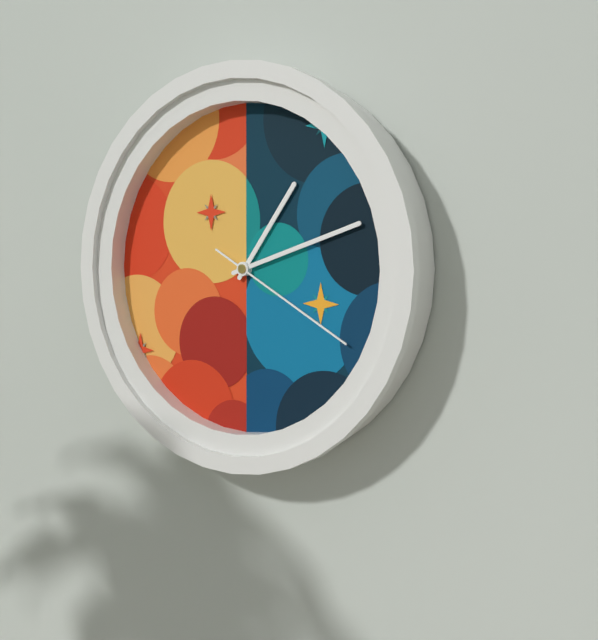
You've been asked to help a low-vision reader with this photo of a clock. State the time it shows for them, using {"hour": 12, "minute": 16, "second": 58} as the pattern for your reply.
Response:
{"hour": 1, "minute": 12, "second": 20}
